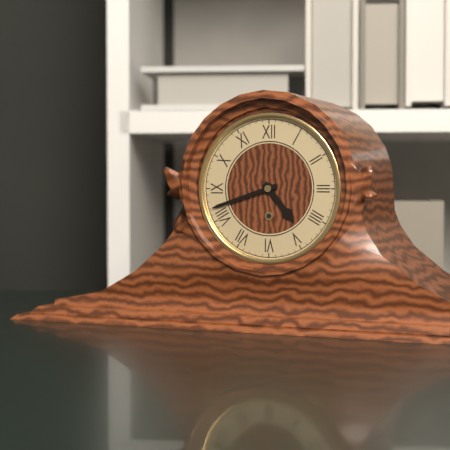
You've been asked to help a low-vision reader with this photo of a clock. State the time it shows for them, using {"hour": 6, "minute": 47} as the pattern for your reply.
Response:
{"hour": 4, "minute": 42}
